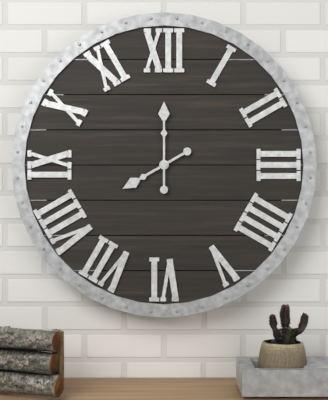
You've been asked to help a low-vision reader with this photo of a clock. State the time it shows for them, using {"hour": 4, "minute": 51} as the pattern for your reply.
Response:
{"hour": 8, "minute": 0}
